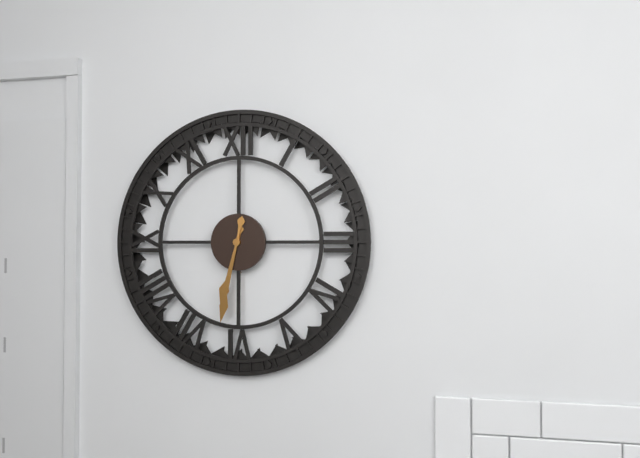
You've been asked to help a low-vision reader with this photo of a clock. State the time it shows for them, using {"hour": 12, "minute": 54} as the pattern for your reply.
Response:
{"hour": 6, "minute": 32}
